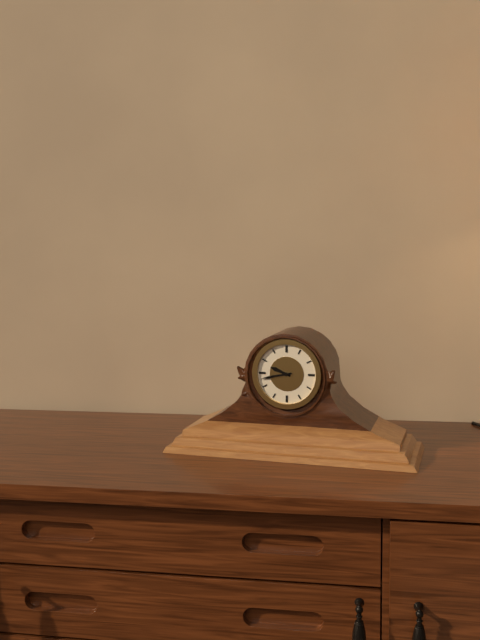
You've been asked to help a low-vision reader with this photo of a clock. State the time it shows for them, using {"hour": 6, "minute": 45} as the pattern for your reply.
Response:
{"hour": 9, "minute": 43}
